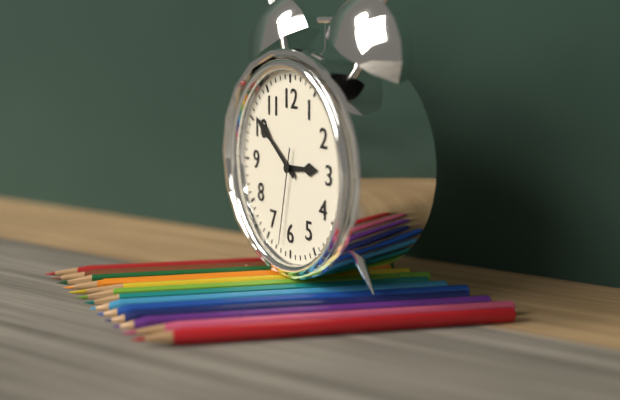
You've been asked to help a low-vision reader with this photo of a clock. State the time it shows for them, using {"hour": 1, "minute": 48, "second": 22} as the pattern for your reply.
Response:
{"hour": 2, "minute": 51, "second": 32}
